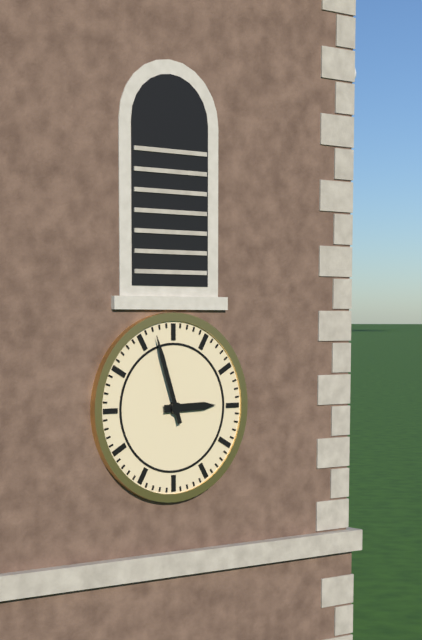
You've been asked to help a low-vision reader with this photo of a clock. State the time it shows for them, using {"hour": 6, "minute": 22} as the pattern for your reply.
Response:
{"hour": 2, "minute": 57}
